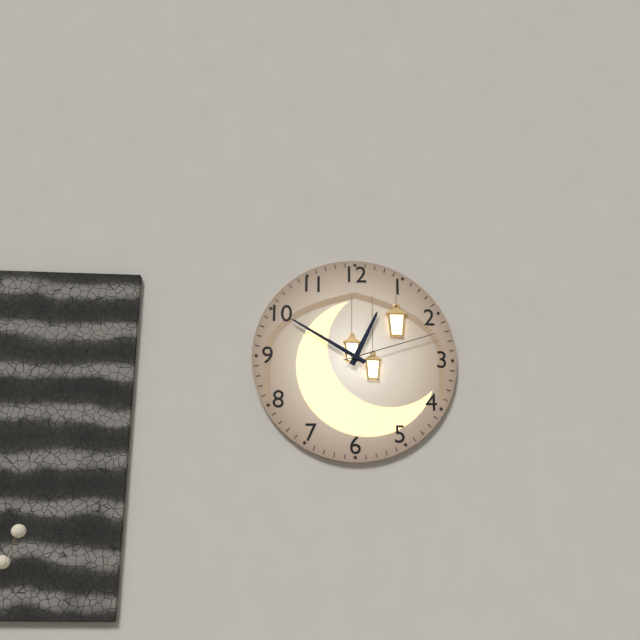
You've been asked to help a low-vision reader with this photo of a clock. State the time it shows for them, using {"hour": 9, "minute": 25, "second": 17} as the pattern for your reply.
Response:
{"hour": 12, "minute": 50, "second": 12}
